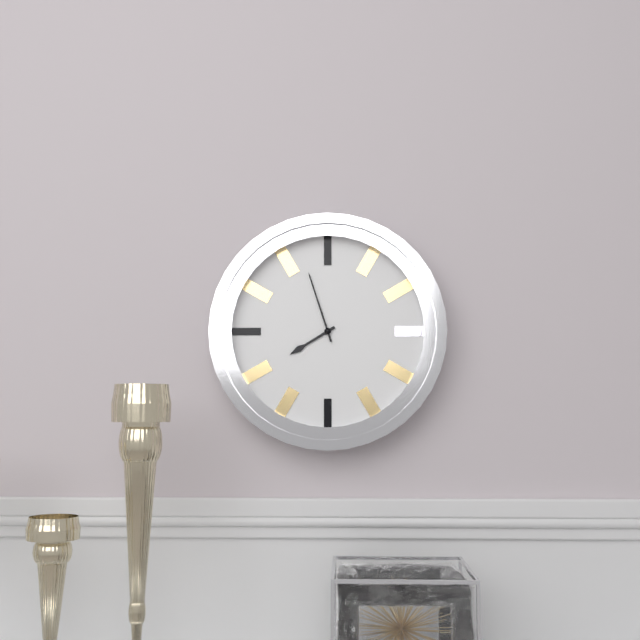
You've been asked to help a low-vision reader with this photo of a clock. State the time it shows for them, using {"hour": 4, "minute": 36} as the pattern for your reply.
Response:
{"hour": 7, "minute": 57}
